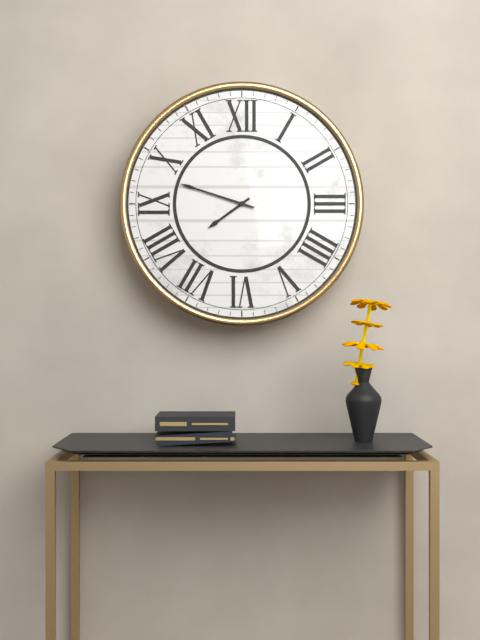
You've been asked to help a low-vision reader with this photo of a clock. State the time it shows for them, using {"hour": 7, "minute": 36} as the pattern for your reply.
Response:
{"hour": 7, "minute": 48}
